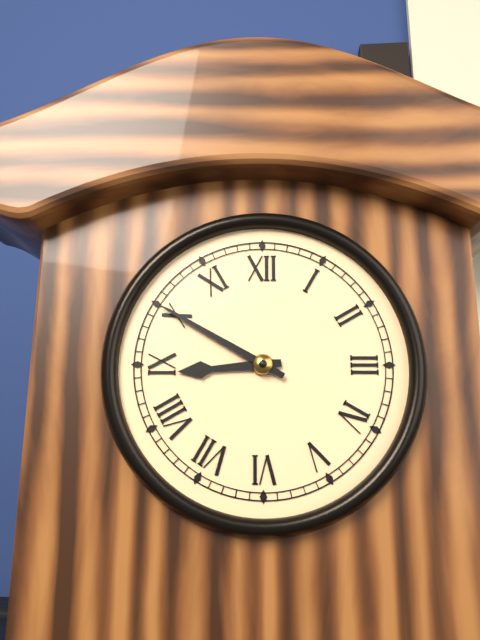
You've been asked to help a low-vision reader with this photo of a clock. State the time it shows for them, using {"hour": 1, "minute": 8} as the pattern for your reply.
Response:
{"hour": 8, "minute": 50}
